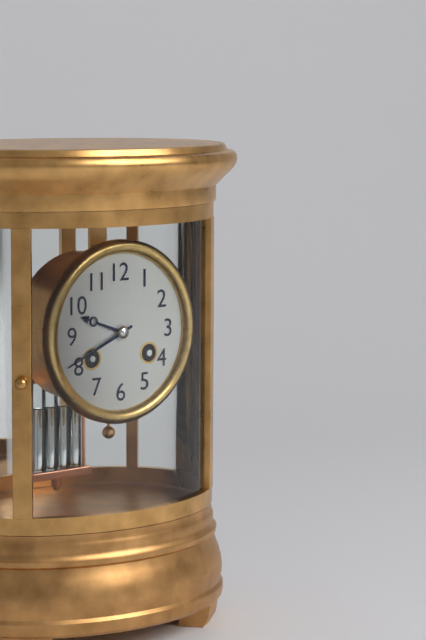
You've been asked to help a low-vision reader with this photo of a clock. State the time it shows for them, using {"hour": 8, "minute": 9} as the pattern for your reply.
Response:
{"hour": 9, "minute": 41}
